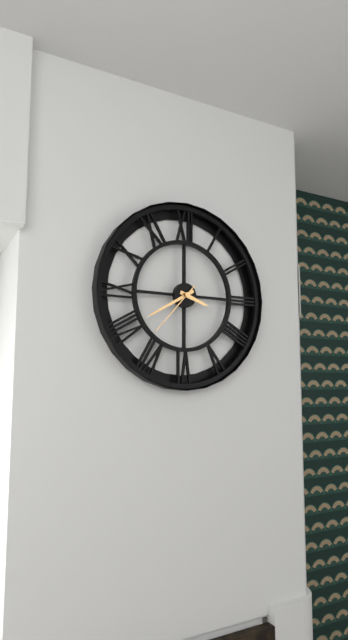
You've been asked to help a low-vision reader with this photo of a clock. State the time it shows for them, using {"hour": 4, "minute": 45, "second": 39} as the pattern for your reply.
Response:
{"hour": 3, "minute": 40, "second": 37}
